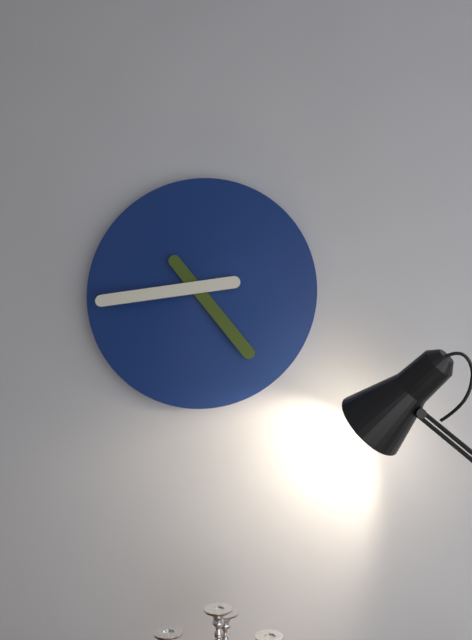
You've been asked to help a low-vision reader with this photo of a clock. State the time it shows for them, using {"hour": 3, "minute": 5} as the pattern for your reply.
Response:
{"hour": 4, "minute": 44}
